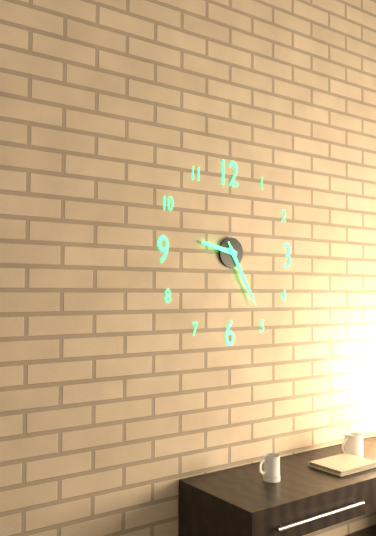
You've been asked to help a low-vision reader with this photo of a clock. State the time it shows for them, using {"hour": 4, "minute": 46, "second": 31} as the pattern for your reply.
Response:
{"hour": 9, "minute": 25, "second": 25}
